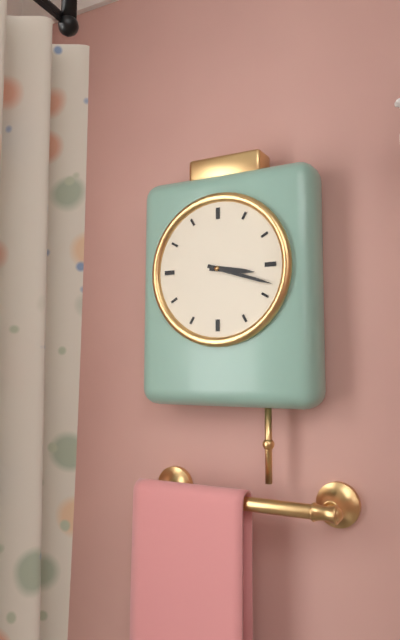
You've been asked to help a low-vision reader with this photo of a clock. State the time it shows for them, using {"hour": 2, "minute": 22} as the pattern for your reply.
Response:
{"hour": 3, "minute": 18}
